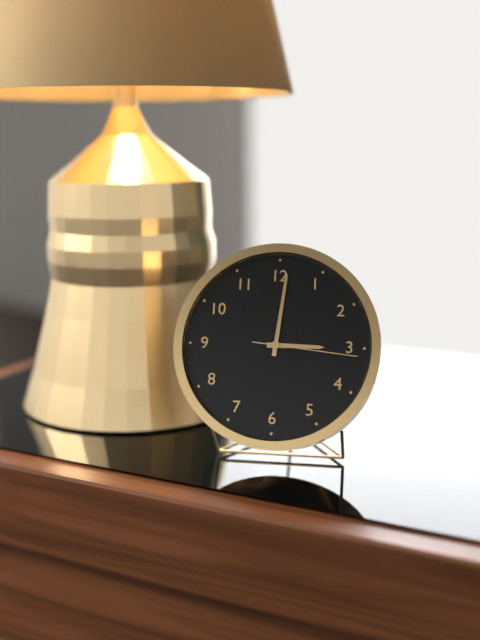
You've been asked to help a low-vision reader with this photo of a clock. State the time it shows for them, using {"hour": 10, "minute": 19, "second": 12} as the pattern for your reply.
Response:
{"hour": 3, "minute": 1, "second": 16}
